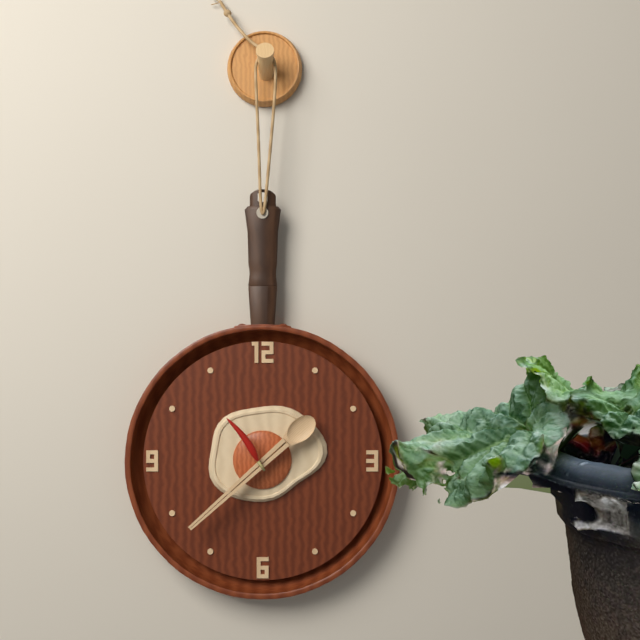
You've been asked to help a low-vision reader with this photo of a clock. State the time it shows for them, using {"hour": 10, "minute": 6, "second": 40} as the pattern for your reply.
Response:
{"hour": 1, "minute": 38, "second": 54}
